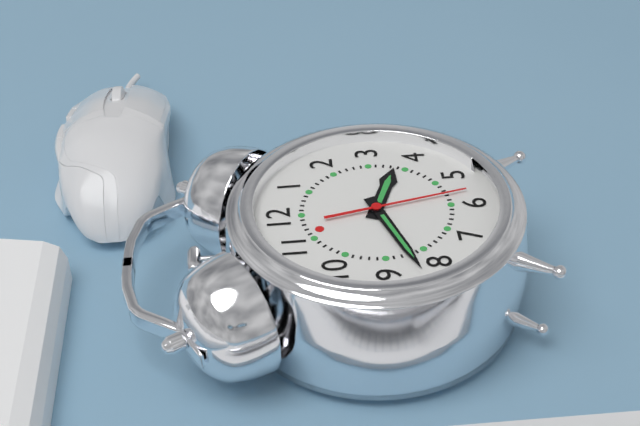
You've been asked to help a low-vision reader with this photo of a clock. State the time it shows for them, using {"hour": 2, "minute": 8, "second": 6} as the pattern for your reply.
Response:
{"hour": 3, "minute": 42, "second": 28}
